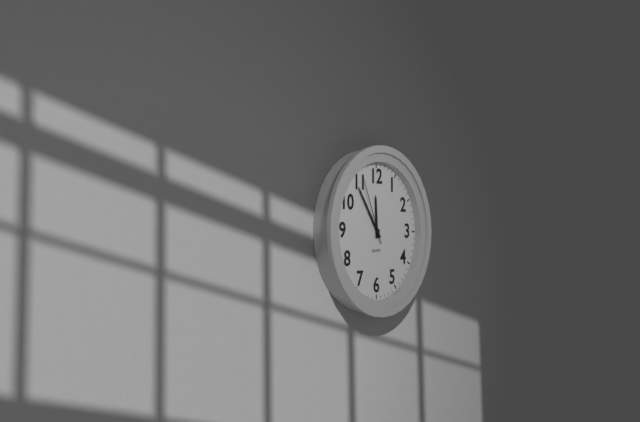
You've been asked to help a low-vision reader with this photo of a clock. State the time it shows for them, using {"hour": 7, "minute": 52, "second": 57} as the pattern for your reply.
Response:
{"hour": 11, "minute": 54, "second": 56}
